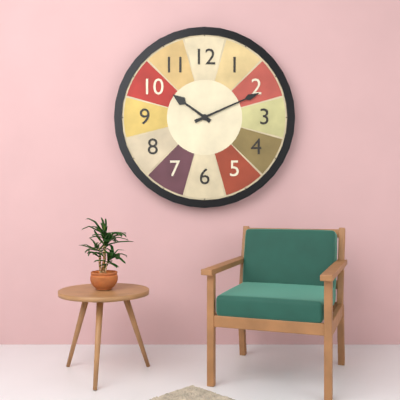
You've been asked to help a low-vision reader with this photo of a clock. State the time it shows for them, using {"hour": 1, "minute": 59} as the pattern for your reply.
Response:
{"hour": 10, "minute": 11}
